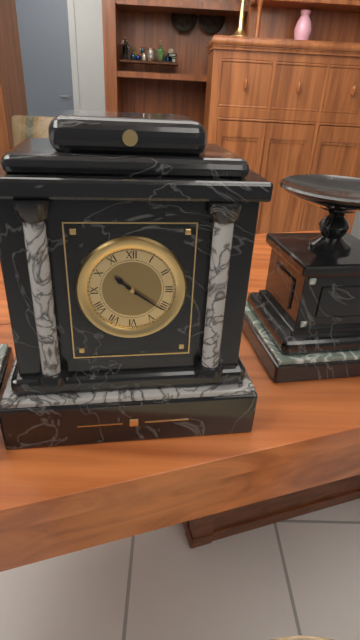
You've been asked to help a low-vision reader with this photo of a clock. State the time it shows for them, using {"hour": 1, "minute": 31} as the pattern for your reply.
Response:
{"hour": 10, "minute": 21}
